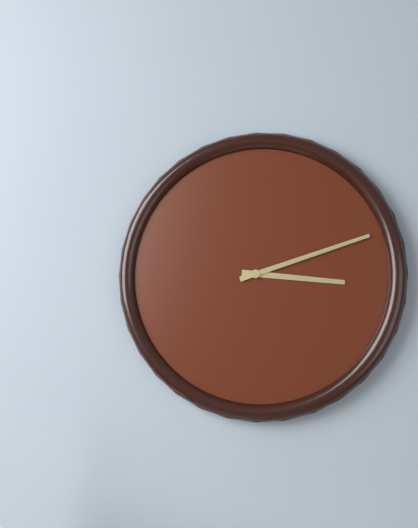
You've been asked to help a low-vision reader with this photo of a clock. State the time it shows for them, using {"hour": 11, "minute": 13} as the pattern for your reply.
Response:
{"hour": 3, "minute": 12}
